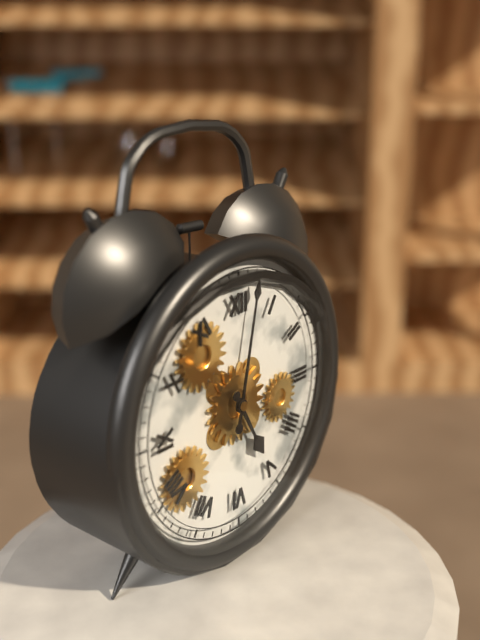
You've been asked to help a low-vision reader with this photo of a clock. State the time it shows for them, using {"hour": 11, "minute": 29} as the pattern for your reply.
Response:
{"hour": 5, "minute": 2}
